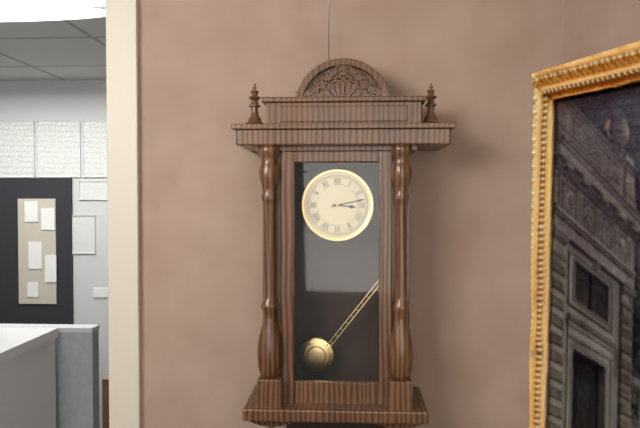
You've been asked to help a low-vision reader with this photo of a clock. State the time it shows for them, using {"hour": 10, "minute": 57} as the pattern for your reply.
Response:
{"hour": 3, "minute": 13}
